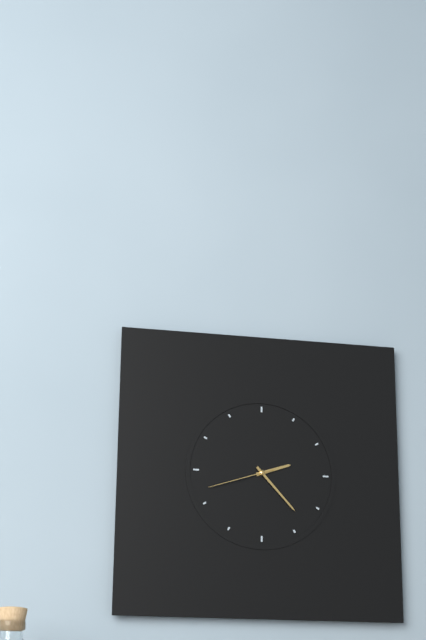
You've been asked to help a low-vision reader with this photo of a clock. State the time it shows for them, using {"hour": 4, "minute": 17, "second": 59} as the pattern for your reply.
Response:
{"hour": 2, "minute": 23, "second": 42}
